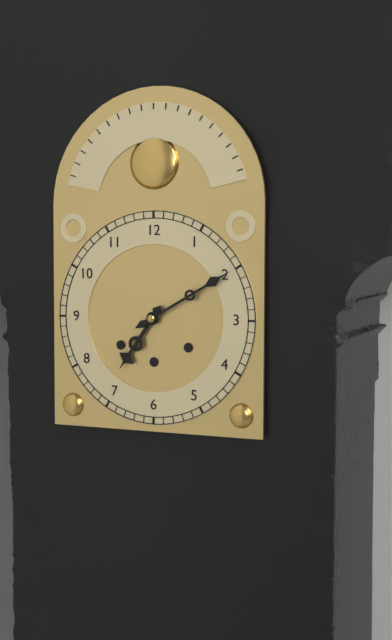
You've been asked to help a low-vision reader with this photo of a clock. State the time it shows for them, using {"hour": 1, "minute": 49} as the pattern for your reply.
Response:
{"hour": 7, "minute": 10}
